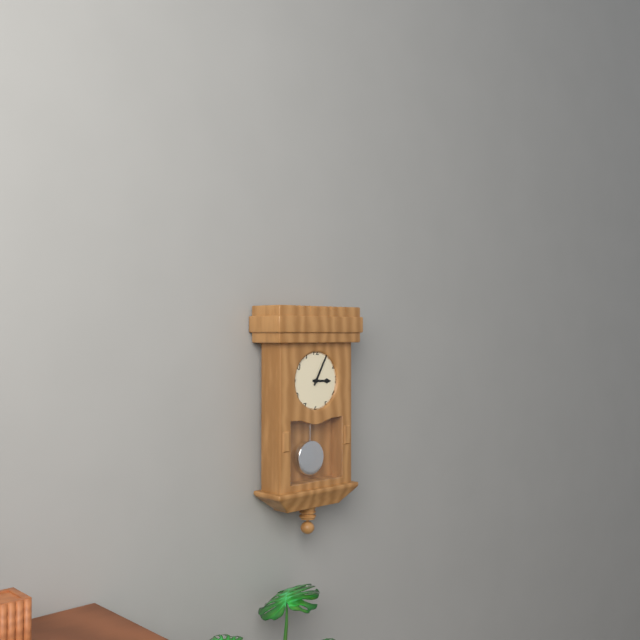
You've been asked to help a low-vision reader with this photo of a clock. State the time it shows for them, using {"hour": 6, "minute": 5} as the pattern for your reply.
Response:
{"hour": 3, "minute": 5}
